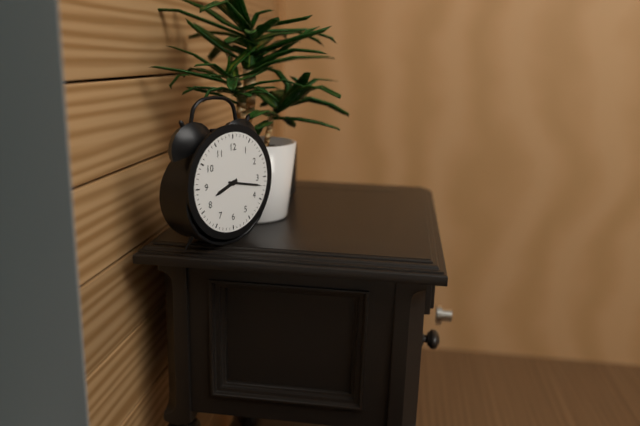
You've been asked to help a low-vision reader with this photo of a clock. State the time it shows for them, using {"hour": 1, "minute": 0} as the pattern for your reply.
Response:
{"hour": 8, "minute": 17}
